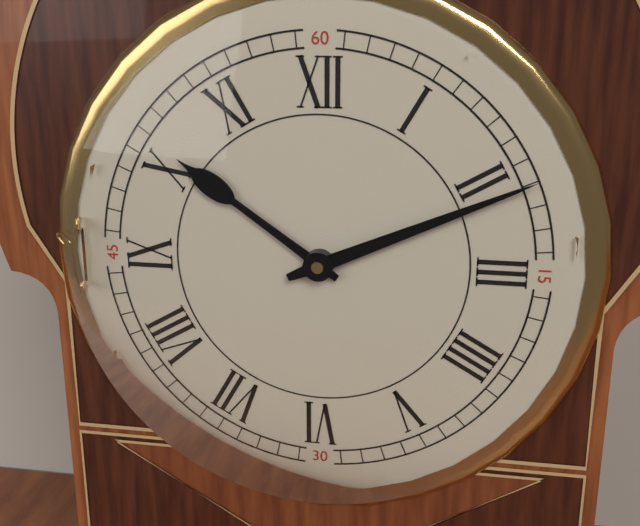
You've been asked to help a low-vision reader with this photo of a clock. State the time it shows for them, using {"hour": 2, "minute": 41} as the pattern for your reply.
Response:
{"hour": 10, "minute": 11}
